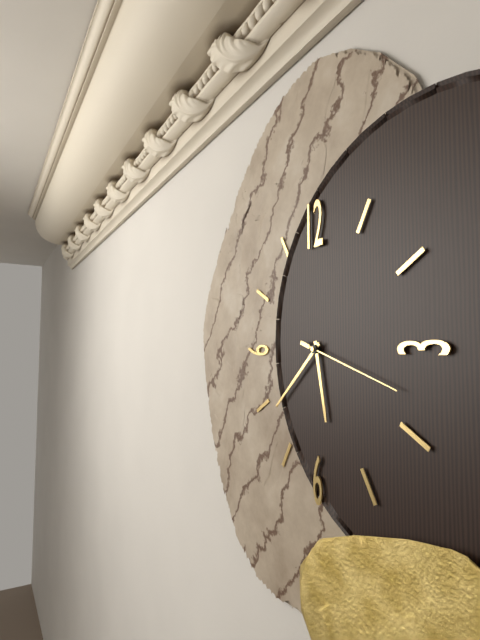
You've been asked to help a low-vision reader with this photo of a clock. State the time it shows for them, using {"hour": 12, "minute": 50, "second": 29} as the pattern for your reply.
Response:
{"hour": 5, "minute": 38, "second": 18}
